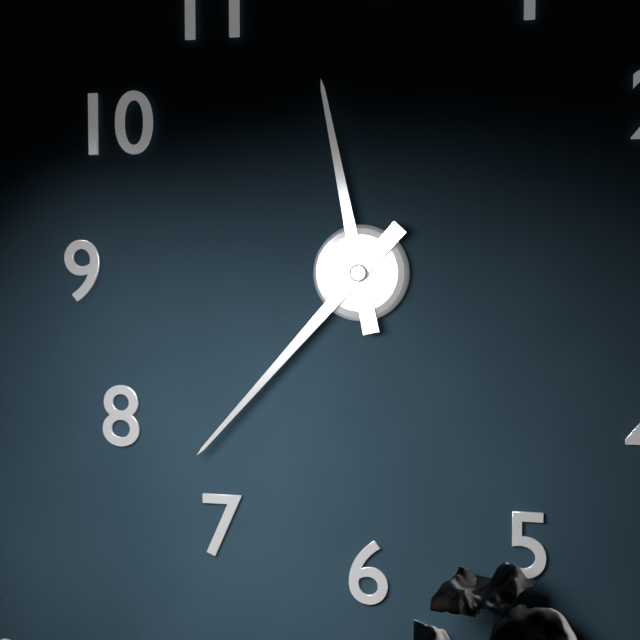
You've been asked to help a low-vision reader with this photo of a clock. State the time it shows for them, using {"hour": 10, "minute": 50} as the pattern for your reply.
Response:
{"hour": 11, "minute": 37}
